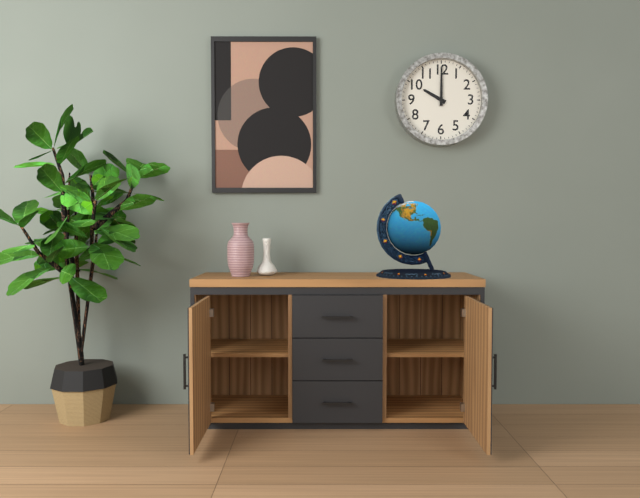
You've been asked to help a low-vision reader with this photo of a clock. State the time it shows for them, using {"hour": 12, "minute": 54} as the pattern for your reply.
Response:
{"hour": 10, "minute": 0}
